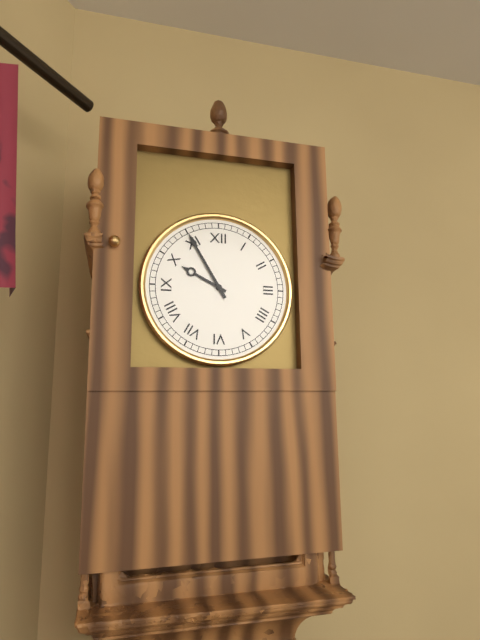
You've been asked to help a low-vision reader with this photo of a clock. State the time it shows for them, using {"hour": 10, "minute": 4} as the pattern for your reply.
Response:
{"hour": 9, "minute": 55}
